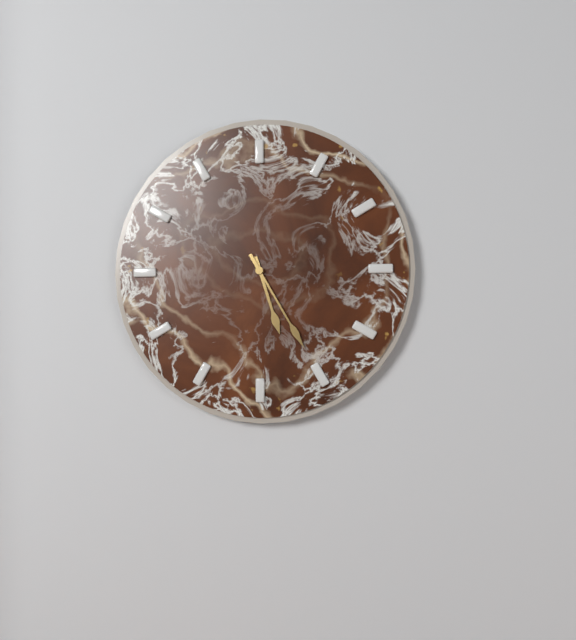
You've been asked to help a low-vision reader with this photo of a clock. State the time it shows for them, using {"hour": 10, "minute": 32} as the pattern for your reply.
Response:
{"hour": 5, "minute": 25}
